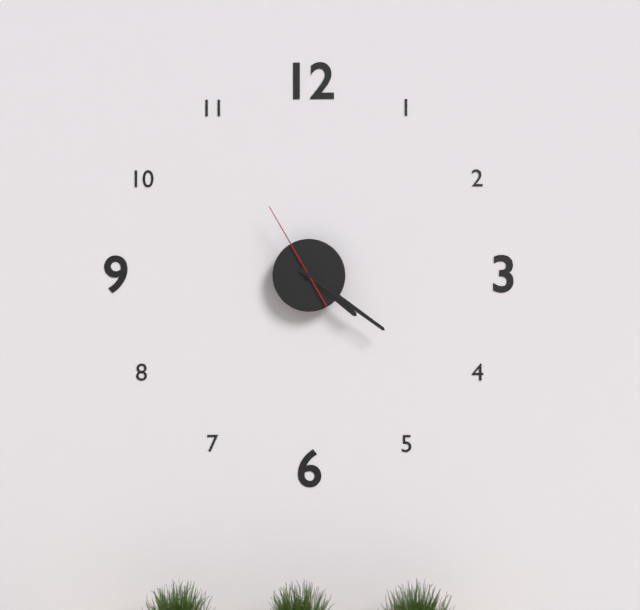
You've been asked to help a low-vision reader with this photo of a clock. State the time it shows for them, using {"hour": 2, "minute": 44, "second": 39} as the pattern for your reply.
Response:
{"hour": 4, "minute": 21, "second": 55}
